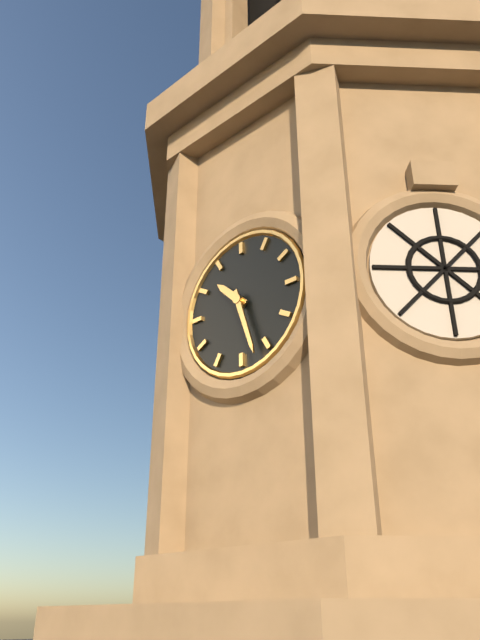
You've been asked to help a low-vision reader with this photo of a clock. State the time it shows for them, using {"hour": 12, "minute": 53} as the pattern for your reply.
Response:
{"hour": 10, "minute": 27}
